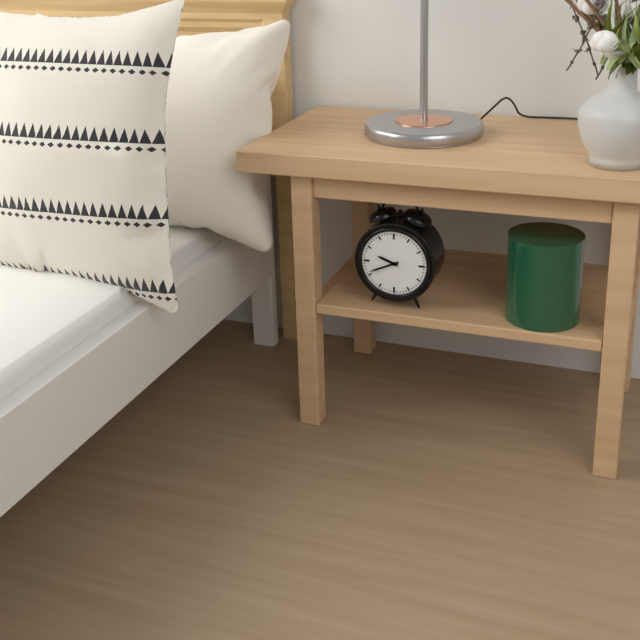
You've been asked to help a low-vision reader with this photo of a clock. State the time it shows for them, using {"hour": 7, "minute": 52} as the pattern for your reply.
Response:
{"hour": 9, "minute": 41}
